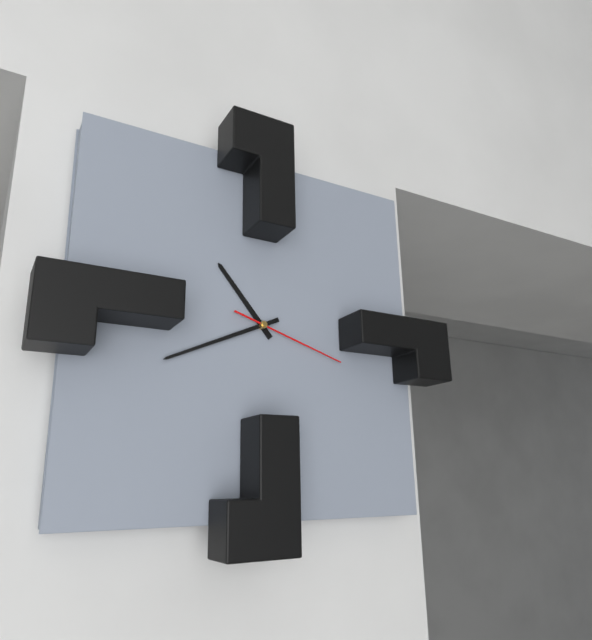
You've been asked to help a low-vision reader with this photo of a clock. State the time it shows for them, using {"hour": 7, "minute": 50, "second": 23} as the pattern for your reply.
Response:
{"hour": 10, "minute": 41, "second": 18}
